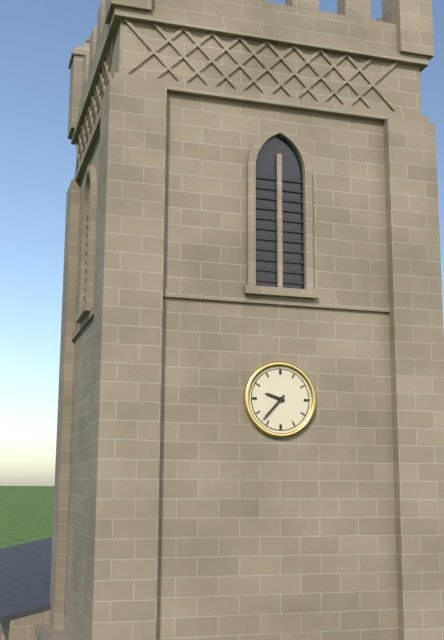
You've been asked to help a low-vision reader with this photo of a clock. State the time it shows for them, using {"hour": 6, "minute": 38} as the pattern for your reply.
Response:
{"hour": 9, "minute": 37}
